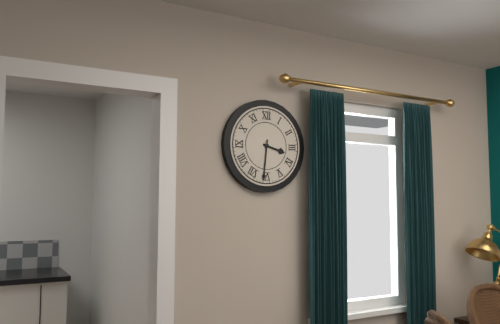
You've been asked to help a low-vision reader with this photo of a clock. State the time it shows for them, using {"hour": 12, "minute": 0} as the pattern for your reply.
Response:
{"hour": 3, "minute": 31}
